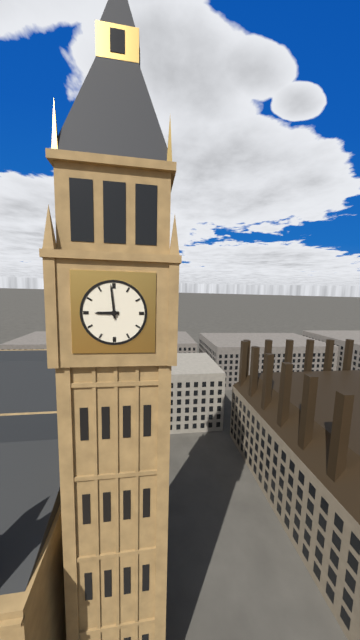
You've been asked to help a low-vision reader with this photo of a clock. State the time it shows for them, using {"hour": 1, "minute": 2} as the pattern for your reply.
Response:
{"hour": 8, "minute": 59}
